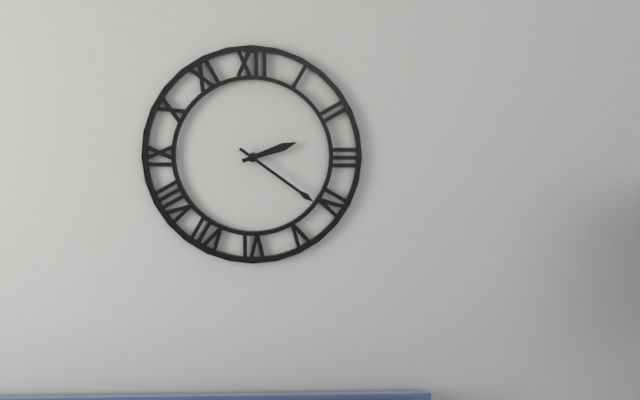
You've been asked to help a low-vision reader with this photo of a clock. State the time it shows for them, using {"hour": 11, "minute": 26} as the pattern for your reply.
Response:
{"hour": 2, "minute": 21}
